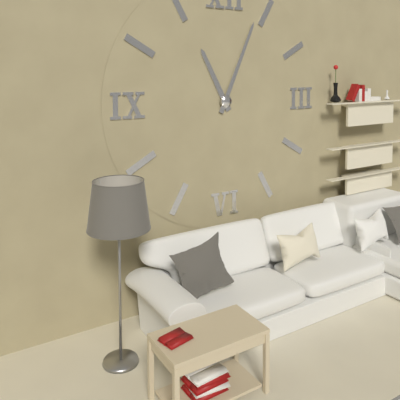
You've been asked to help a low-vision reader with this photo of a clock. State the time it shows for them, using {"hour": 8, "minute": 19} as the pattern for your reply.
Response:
{"hour": 11, "minute": 4}
